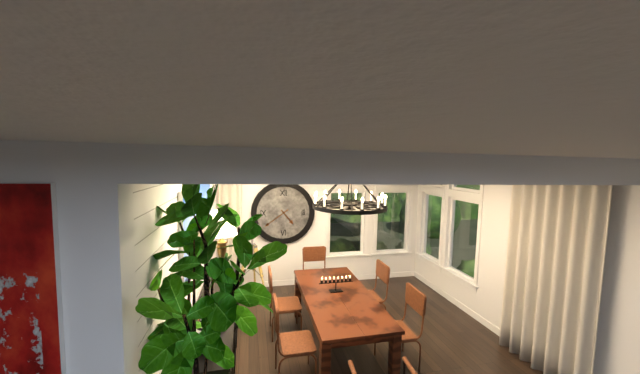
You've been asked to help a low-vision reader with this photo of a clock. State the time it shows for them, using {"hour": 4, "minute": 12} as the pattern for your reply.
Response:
{"hour": 4, "minute": 39}
